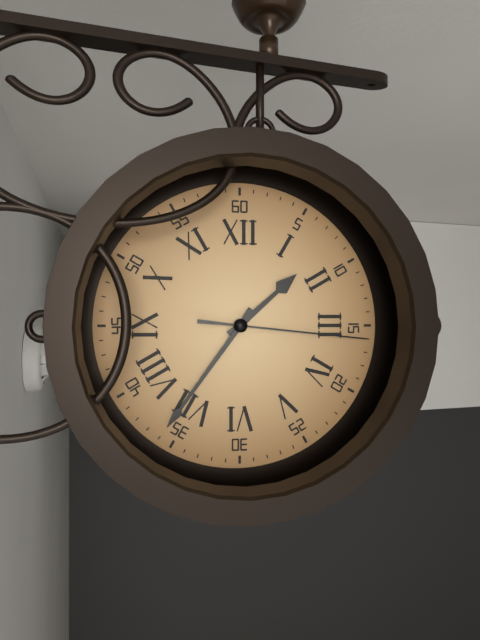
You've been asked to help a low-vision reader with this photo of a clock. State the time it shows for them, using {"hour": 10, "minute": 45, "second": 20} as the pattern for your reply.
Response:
{"hour": 1, "minute": 36, "second": 16}
